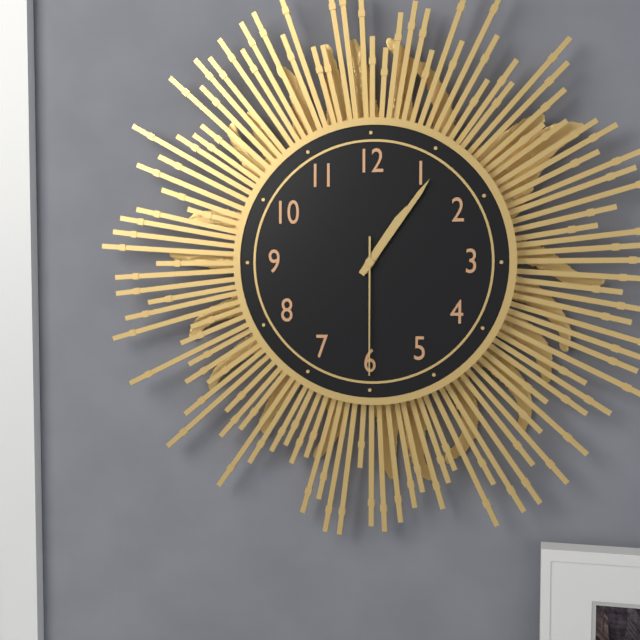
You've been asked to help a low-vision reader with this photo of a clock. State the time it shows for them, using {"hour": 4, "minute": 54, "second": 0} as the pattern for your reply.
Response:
{"hour": 1, "minute": 6, "second": 30}
